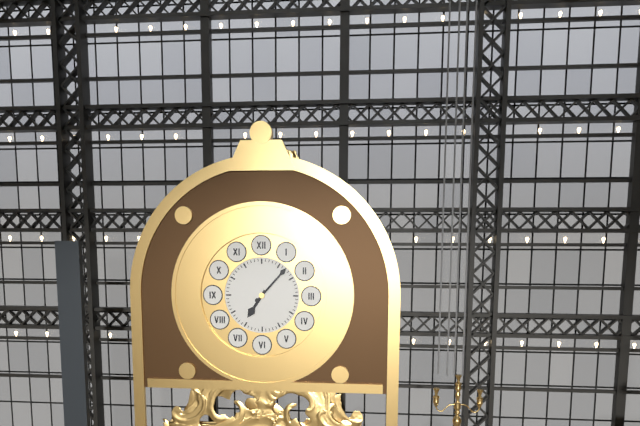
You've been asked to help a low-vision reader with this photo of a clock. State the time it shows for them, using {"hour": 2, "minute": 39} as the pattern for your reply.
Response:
{"hour": 7, "minute": 7}
